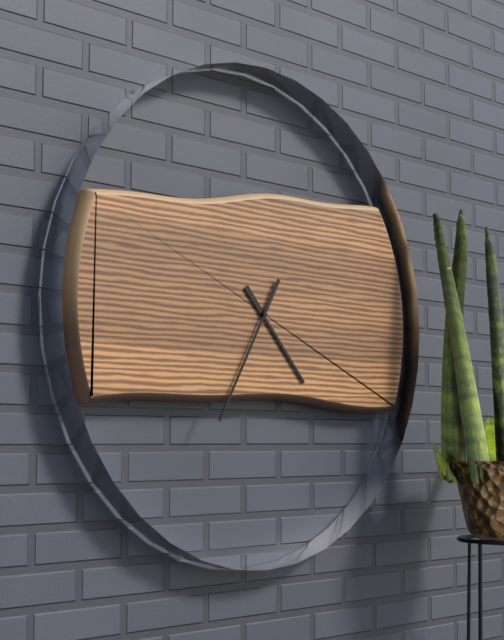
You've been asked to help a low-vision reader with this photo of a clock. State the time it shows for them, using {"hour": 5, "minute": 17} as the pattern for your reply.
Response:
{"hour": 4, "minute": 35}
